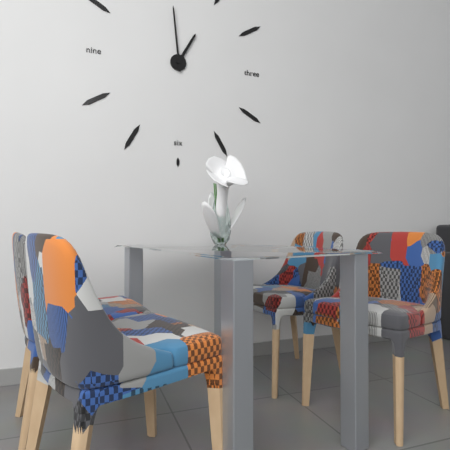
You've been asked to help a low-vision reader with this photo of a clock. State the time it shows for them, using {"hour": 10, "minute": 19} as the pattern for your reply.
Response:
{"hour": 12, "minute": 59}
